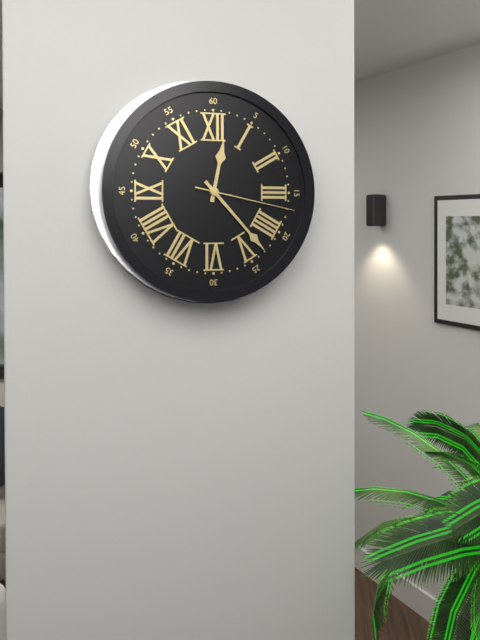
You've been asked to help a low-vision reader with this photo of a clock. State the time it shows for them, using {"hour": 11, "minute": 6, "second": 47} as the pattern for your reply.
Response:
{"hour": 12, "minute": 23, "second": 17}
